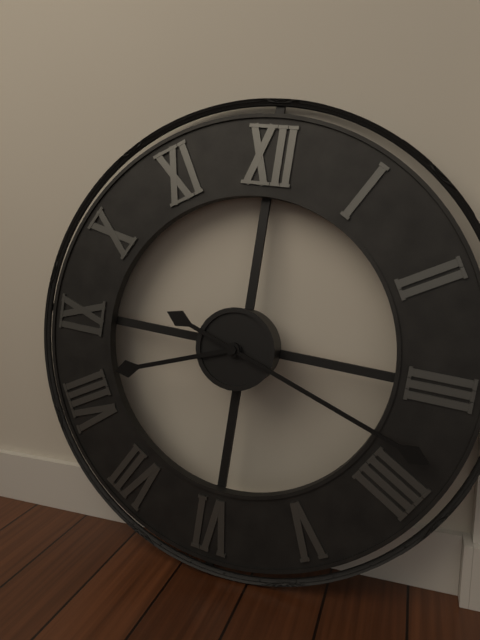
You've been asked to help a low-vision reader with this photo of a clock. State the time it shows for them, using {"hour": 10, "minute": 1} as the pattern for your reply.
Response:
{"hour": 8, "minute": 18}
